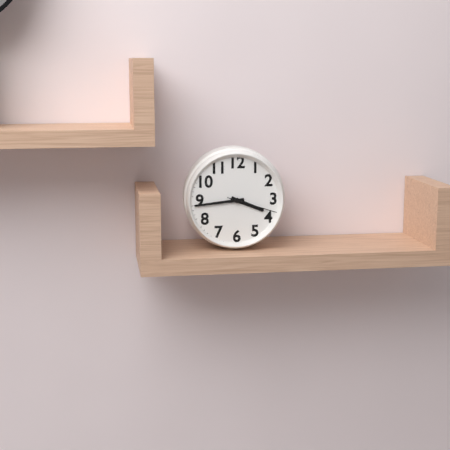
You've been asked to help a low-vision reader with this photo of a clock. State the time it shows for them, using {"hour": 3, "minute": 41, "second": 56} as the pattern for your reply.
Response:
{"hour": 3, "minute": 44, "second": 18}
